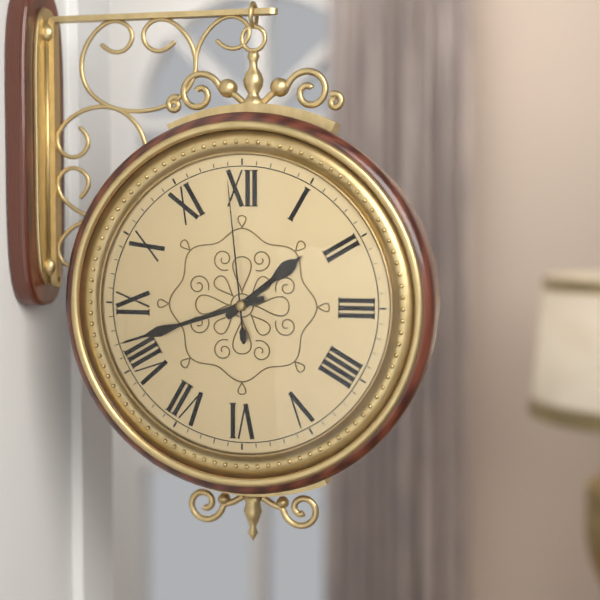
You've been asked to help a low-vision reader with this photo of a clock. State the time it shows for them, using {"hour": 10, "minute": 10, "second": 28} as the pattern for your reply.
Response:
{"hour": 1, "minute": 42, "second": 59}
